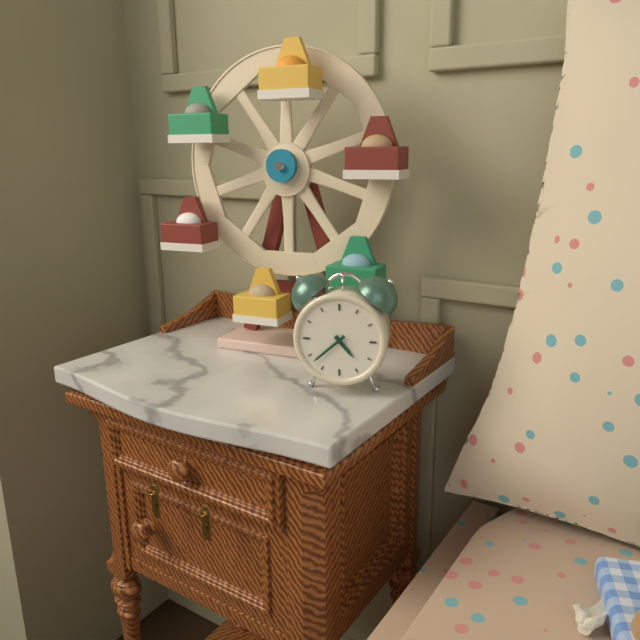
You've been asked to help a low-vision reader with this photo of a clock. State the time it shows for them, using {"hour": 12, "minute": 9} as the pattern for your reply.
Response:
{"hour": 4, "minute": 38}
